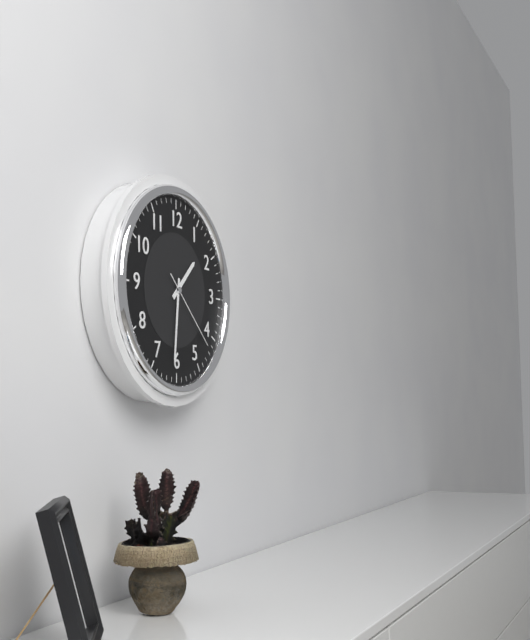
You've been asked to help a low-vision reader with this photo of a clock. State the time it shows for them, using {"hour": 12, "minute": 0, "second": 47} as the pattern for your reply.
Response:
{"hour": 1, "minute": 31, "second": 22}
